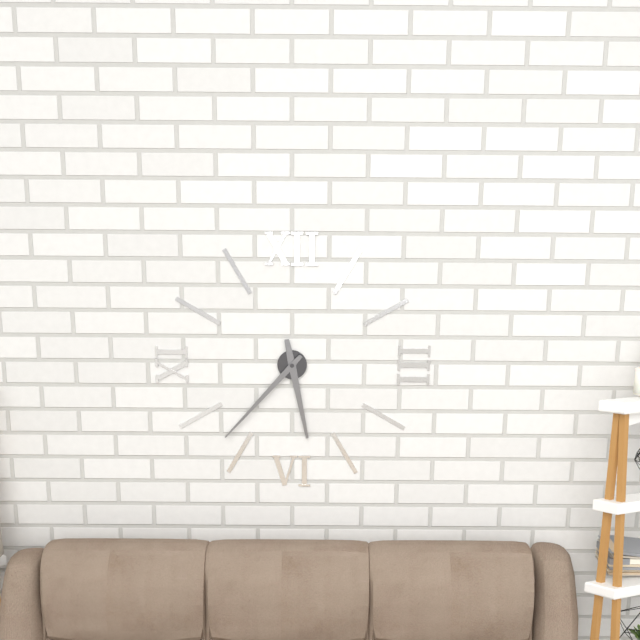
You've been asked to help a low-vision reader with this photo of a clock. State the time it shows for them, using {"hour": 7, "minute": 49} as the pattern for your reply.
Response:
{"hour": 5, "minute": 37}
